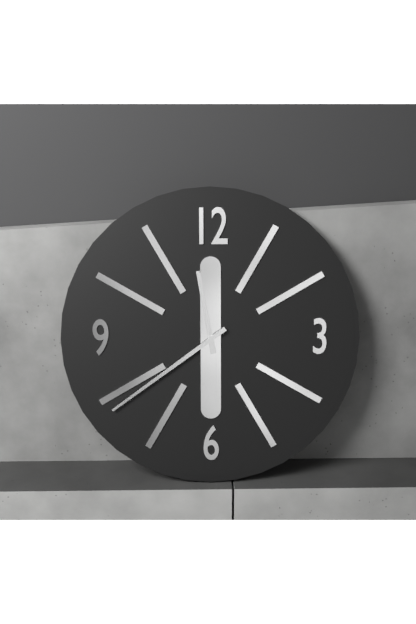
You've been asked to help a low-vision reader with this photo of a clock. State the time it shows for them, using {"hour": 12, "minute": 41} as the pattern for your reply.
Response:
{"hour": 11, "minute": 39}
